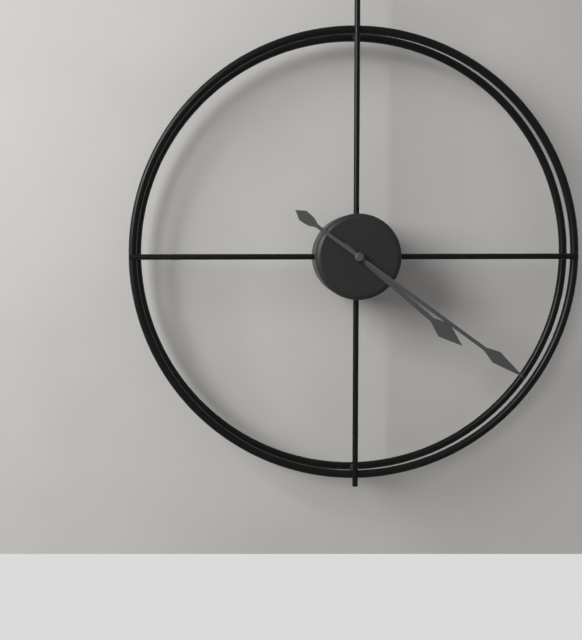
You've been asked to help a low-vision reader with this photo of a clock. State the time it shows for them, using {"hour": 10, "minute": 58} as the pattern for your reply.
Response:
{"hour": 4, "minute": 21}
